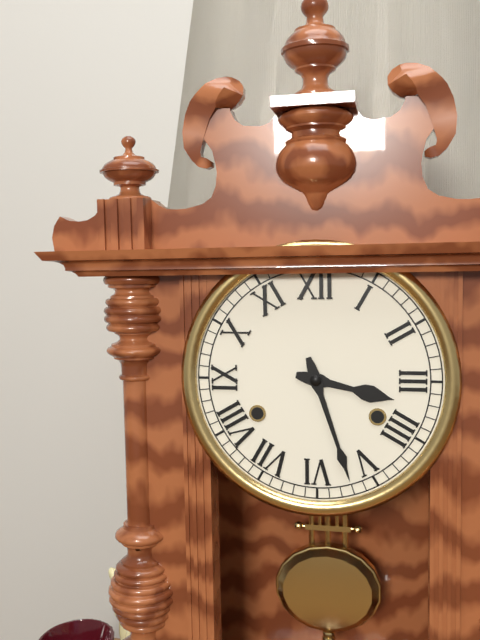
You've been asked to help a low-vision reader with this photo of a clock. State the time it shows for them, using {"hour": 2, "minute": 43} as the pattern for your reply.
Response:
{"hour": 3, "minute": 27}
